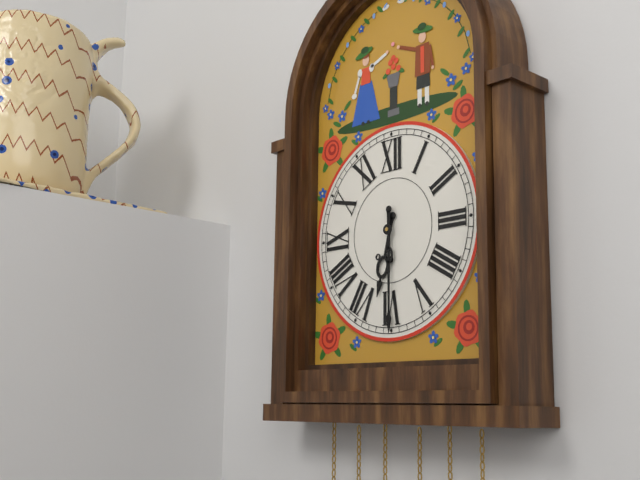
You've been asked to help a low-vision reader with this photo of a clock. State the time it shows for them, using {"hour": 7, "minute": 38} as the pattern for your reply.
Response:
{"hour": 6, "minute": 30}
